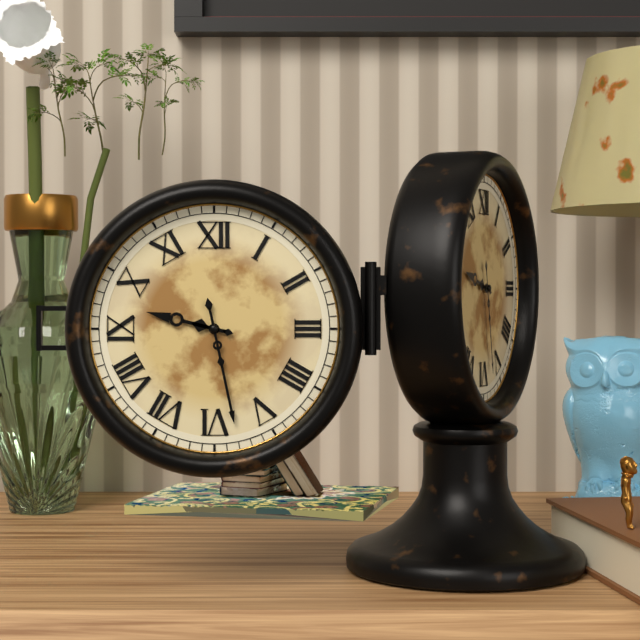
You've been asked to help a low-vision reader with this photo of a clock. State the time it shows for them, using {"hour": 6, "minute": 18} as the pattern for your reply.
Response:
{"hour": 9, "minute": 28}
